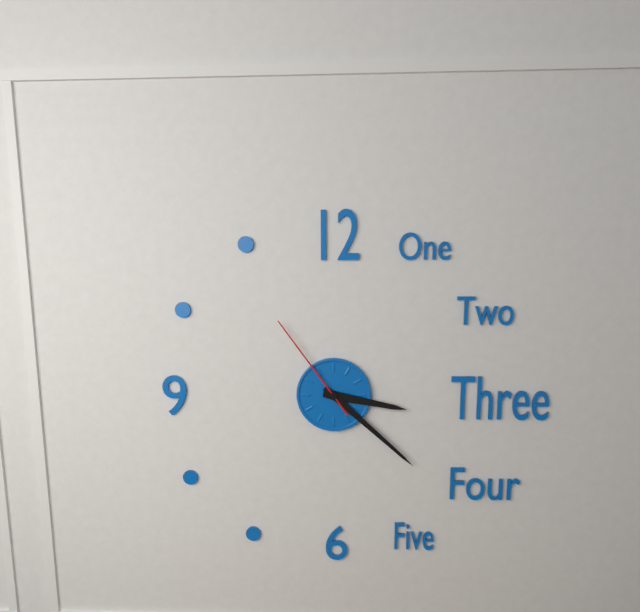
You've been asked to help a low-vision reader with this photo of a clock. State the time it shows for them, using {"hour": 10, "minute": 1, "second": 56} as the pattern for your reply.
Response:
{"hour": 3, "minute": 22, "second": 54}
